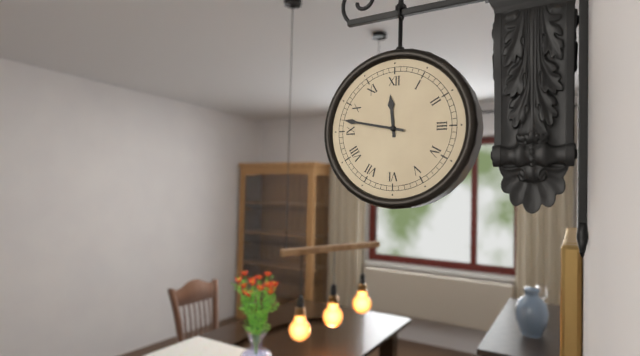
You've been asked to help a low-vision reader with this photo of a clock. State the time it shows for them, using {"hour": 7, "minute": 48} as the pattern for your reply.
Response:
{"hour": 11, "minute": 47}
